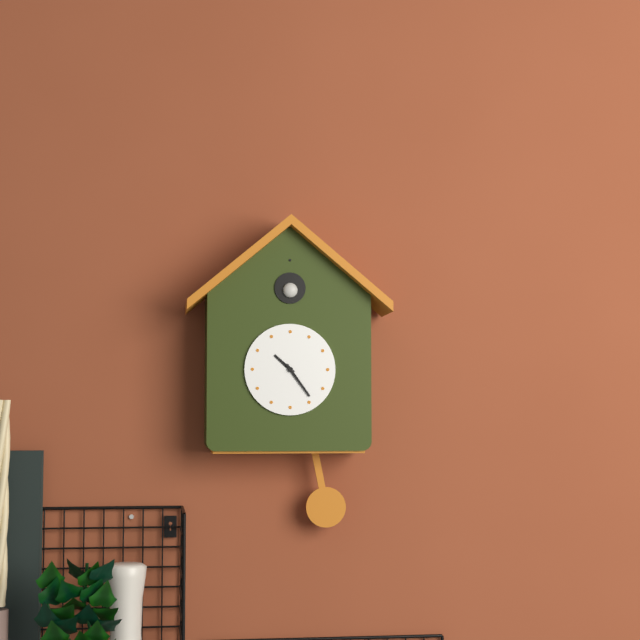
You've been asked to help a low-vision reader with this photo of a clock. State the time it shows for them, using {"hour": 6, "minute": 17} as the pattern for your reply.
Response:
{"hour": 10, "minute": 24}
